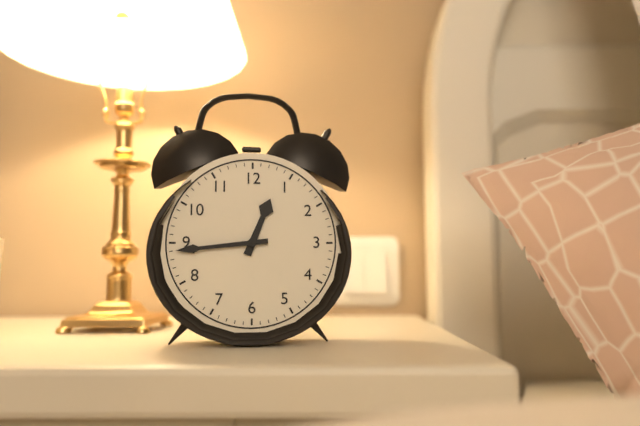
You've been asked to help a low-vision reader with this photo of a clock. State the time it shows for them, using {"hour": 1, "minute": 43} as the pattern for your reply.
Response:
{"hour": 12, "minute": 44}
